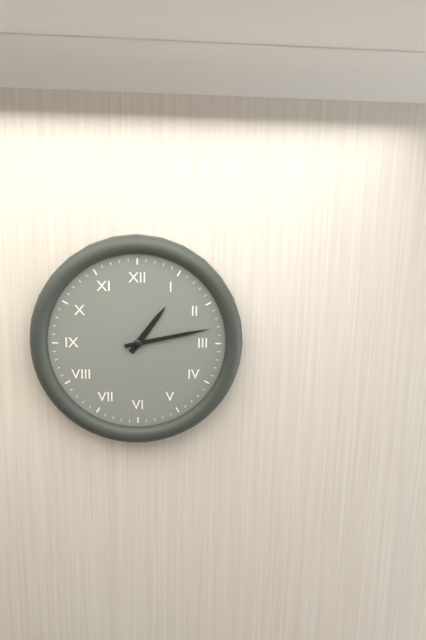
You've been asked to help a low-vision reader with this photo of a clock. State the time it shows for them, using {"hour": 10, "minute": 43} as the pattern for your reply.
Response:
{"hour": 1, "minute": 13}
